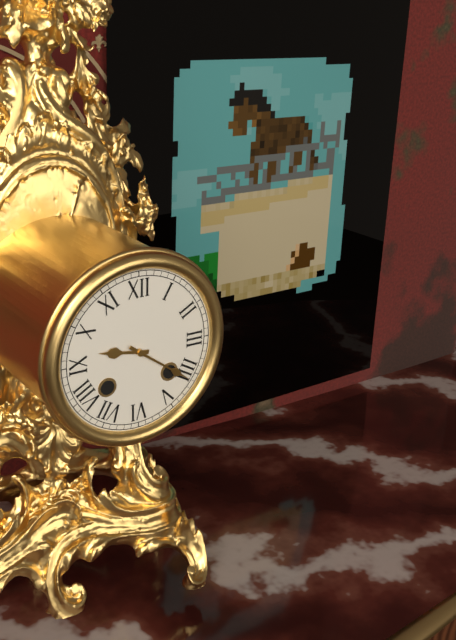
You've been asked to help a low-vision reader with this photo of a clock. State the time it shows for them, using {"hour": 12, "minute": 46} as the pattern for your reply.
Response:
{"hour": 9, "minute": 21}
